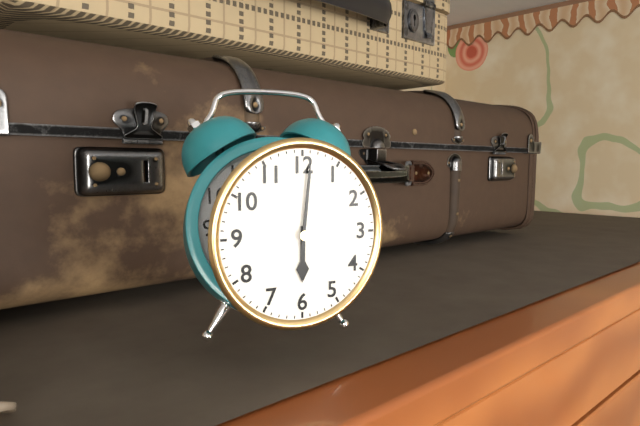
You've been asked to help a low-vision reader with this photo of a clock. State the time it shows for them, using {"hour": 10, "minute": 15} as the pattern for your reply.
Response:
{"hour": 6, "minute": 1}
